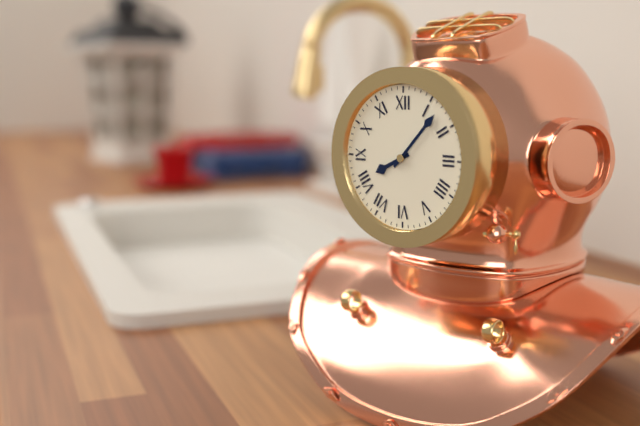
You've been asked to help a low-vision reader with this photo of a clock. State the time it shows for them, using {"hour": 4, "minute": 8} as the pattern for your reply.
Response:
{"hour": 8, "minute": 7}
